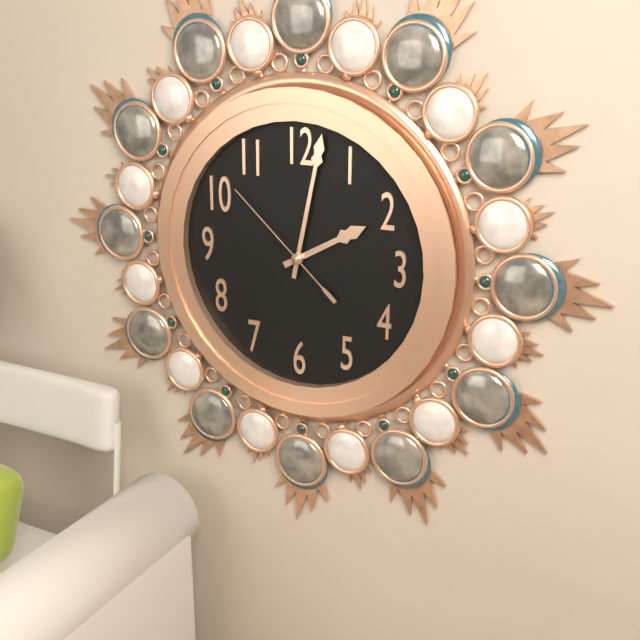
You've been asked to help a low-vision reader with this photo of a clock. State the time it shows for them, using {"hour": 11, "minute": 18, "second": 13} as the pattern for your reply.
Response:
{"hour": 2, "minute": 2, "second": 52}
